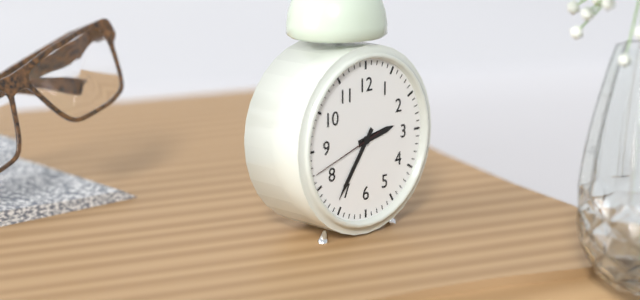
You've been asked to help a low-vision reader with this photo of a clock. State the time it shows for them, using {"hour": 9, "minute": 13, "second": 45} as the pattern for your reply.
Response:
{"hour": 2, "minute": 36, "second": 42}
